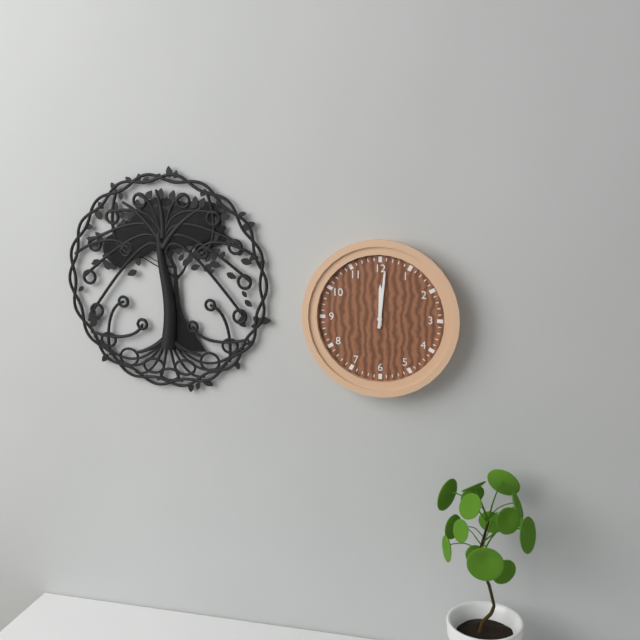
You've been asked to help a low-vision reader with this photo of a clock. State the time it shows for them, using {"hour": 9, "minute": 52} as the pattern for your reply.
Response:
{"hour": 12, "minute": 1}
